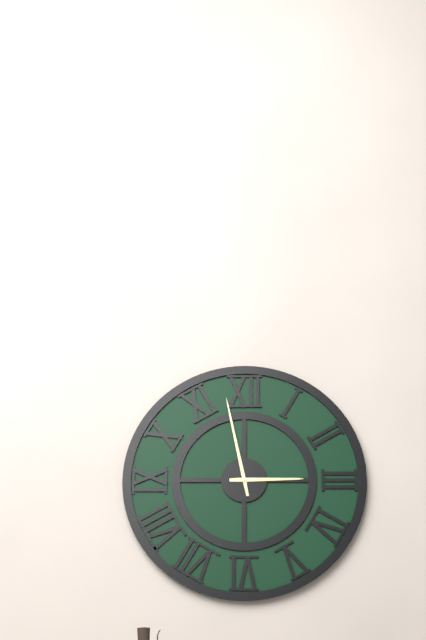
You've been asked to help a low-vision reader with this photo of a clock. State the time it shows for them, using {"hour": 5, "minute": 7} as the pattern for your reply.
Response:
{"hour": 2, "minute": 58}
